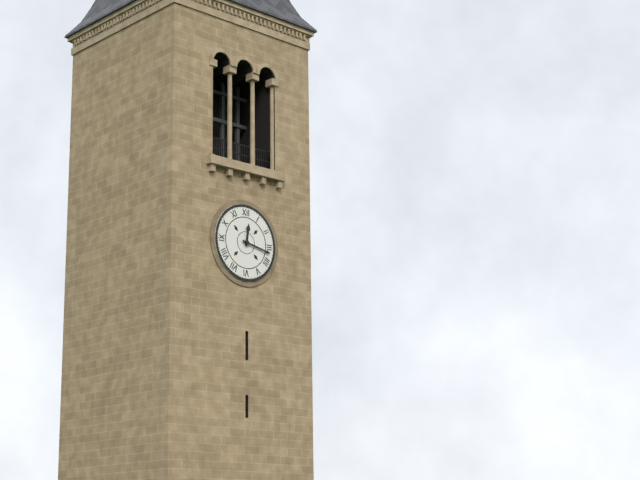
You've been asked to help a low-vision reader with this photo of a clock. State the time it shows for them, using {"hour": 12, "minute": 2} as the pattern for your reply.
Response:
{"hour": 12, "minute": 17}
